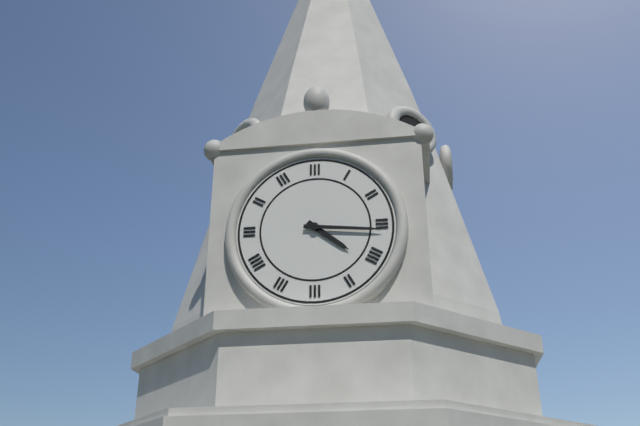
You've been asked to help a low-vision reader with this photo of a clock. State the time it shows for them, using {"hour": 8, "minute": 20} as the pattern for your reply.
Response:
{"hour": 4, "minute": 16}
